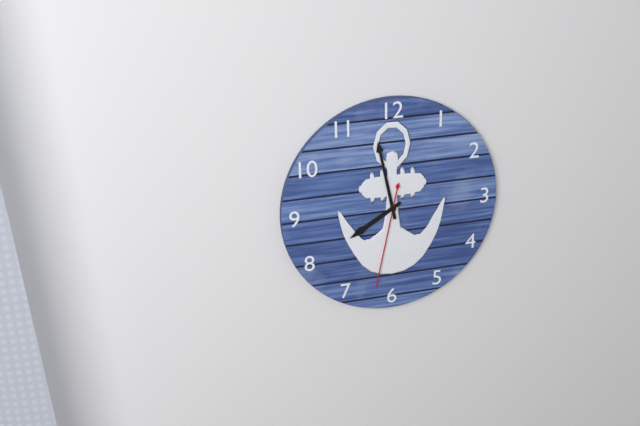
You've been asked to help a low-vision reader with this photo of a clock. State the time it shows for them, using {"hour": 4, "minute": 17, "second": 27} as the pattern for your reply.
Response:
{"hour": 7, "minute": 58, "second": 32}
